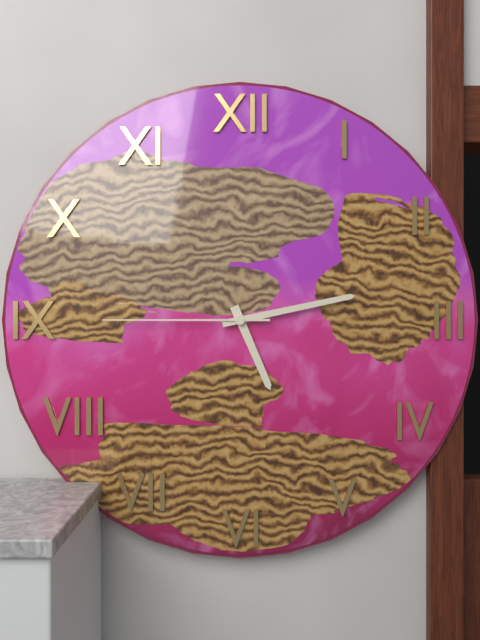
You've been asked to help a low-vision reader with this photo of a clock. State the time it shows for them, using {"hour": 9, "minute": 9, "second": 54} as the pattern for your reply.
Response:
{"hour": 5, "minute": 13, "second": 45}
